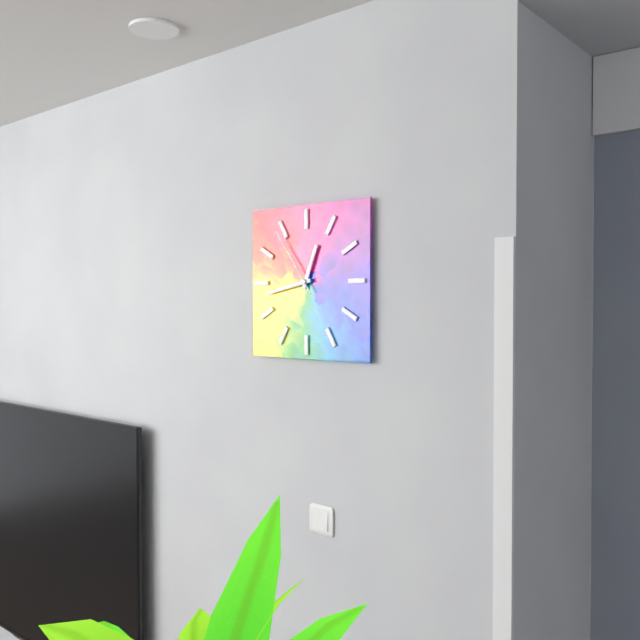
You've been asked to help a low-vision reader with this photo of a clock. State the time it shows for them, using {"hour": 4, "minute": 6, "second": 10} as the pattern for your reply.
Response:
{"hour": 12, "minute": 43, "second": 54}
